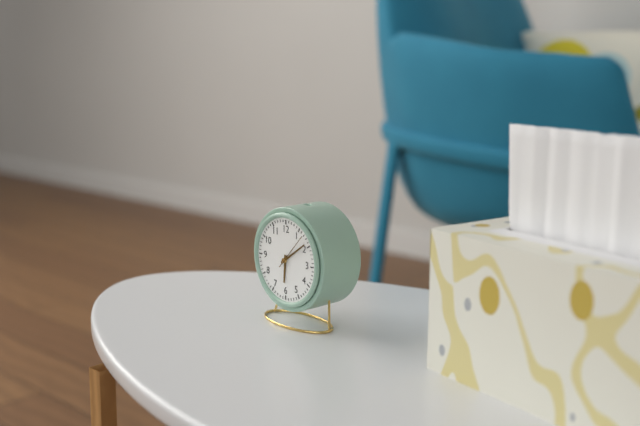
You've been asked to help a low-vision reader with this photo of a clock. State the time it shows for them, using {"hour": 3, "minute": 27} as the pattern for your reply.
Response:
{"hour": 6, "minute": 9}
